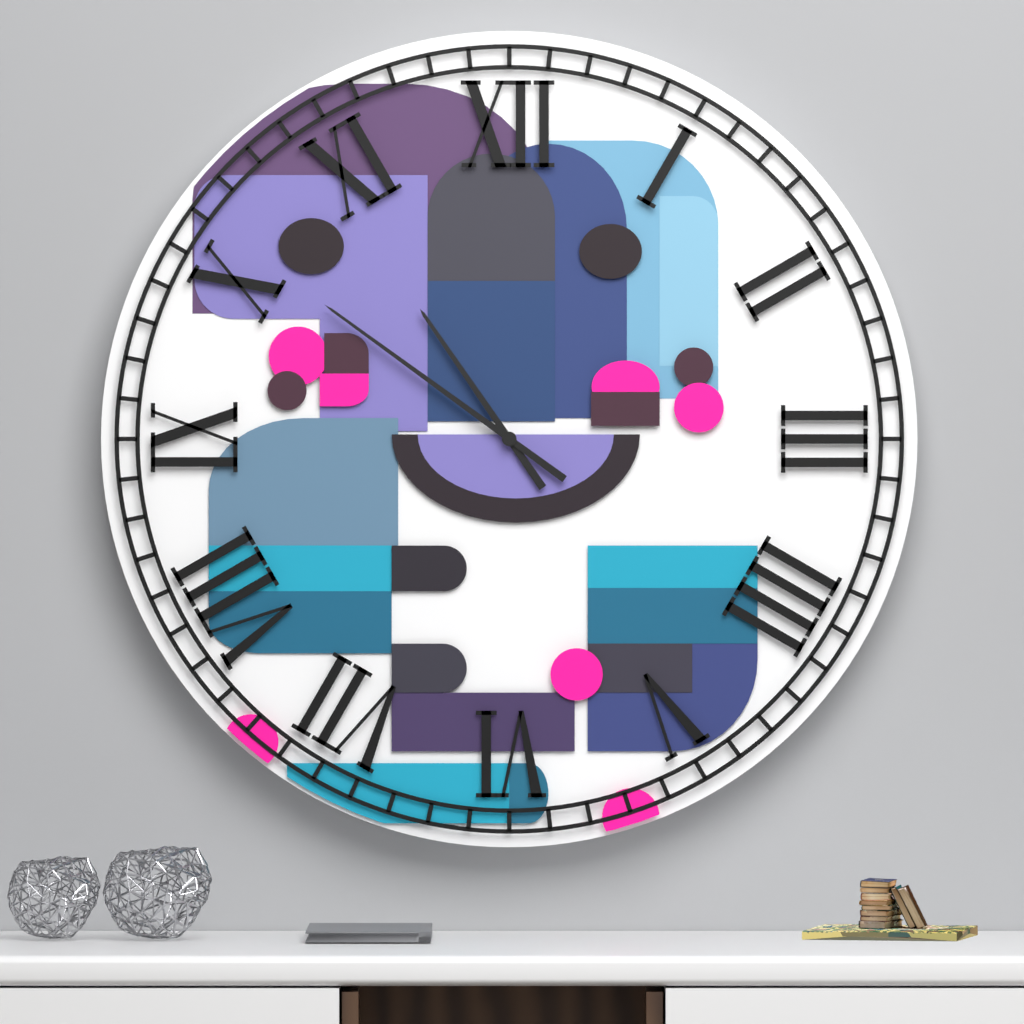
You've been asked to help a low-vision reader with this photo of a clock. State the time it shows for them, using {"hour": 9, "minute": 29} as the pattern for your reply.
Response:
{"hour": 10, "minute": 51}
